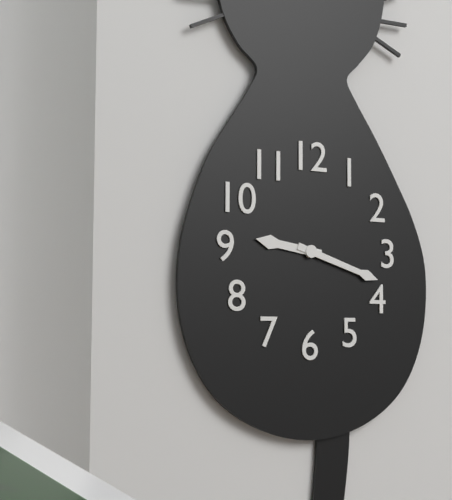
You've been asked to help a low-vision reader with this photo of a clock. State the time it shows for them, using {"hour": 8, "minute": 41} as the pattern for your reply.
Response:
{"hour": 9, "minute": 18}
